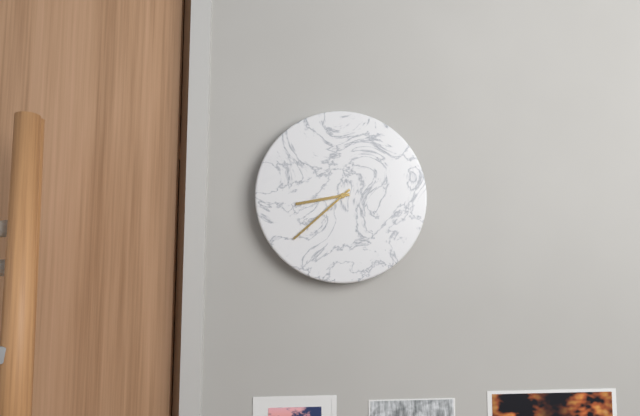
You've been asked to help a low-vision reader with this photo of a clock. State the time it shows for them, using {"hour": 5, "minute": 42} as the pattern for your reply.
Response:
{"hour": 8, "minute": 38}
